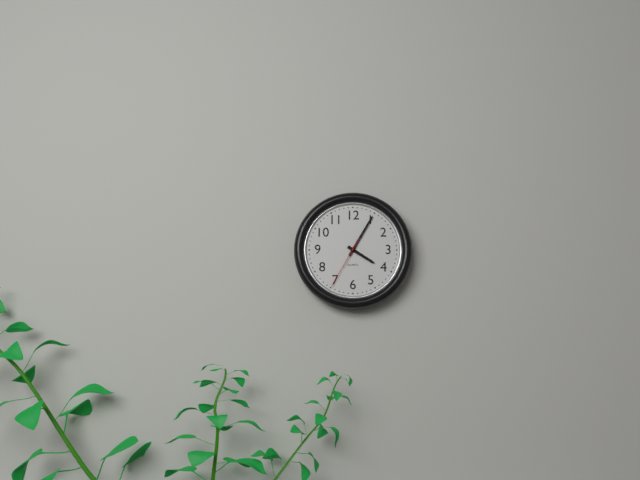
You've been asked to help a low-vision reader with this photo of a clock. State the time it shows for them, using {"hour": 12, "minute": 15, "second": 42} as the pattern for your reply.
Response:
{"hour": 4, "minute": 5, "second": 35}
